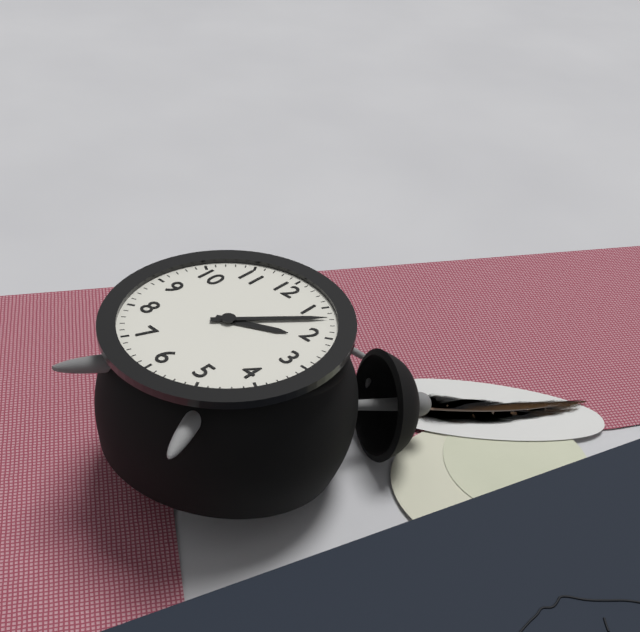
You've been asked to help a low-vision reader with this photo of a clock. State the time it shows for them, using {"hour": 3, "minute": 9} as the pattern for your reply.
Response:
{"hour": 2, "minute": 7}
